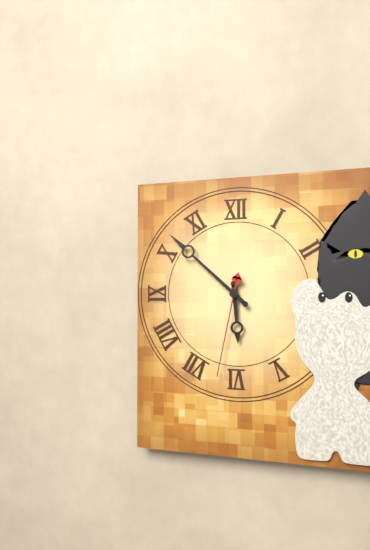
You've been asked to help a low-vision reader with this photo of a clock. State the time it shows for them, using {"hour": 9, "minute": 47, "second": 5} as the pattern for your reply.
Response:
{"hour": 5, "minute": 52, "second": 32}
